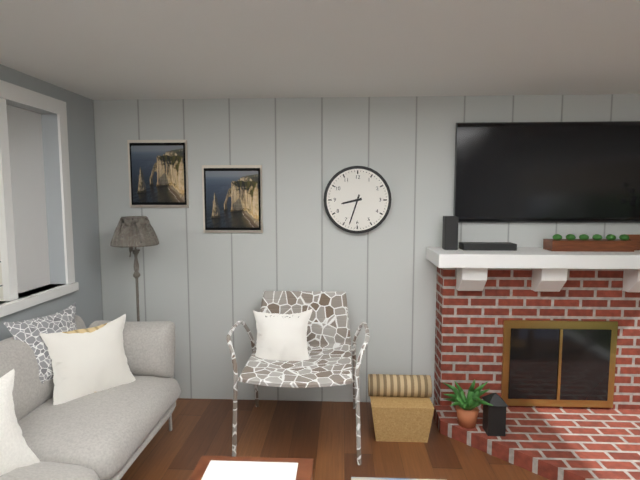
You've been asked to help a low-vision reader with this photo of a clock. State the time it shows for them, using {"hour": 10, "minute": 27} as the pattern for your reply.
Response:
{"hour": 8, "minute": 33}
